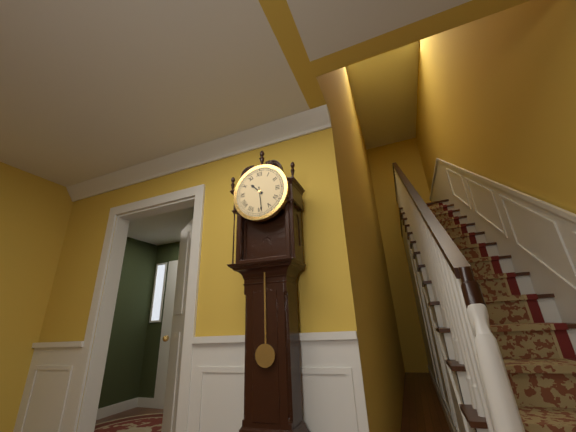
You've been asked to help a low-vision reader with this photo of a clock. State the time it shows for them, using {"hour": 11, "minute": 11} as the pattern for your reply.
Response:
{"hour": 10, "minute": 29}
